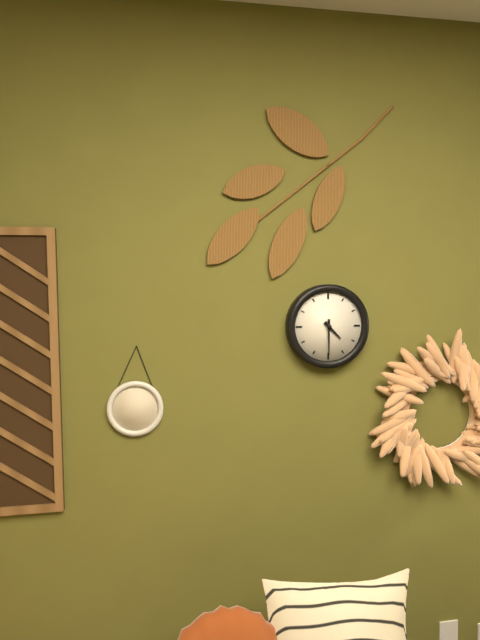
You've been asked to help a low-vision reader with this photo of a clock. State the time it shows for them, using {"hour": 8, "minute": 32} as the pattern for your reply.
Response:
{"hour": 4, "minute": 30}
